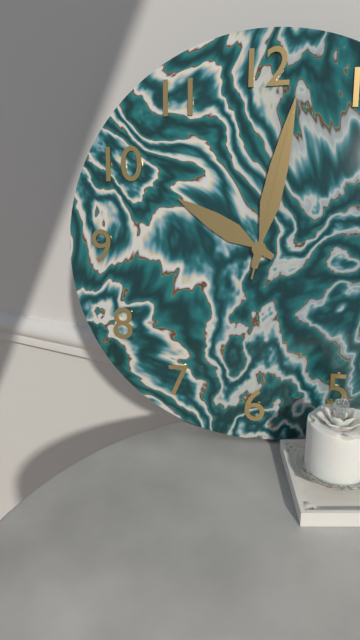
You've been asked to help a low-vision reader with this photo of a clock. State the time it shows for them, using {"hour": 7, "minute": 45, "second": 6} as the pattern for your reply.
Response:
{"hour": 10, "minute": 2, "second": 2}
